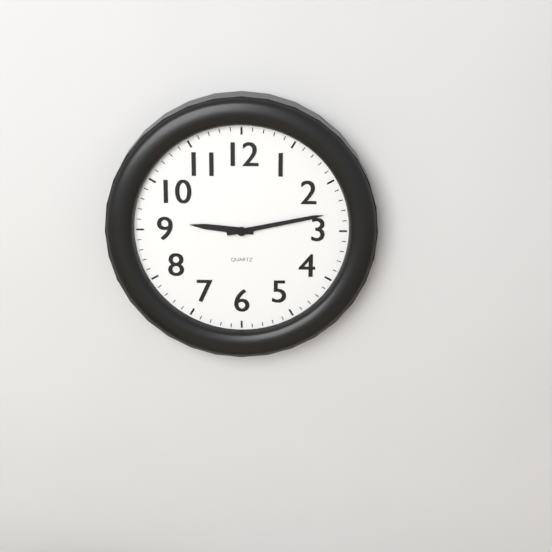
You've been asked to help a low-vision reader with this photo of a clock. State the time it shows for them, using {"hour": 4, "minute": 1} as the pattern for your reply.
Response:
{"hour": 9, "minute": 13}
